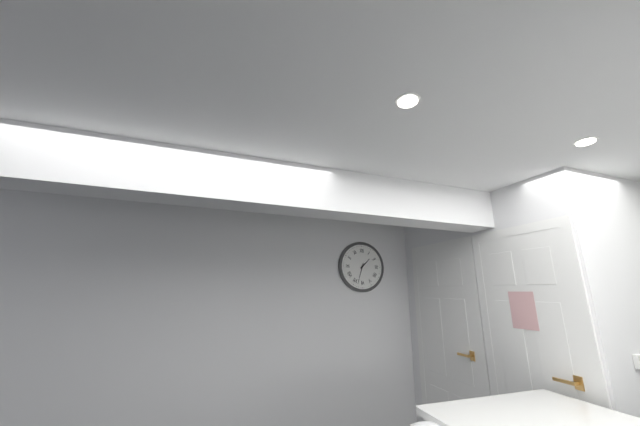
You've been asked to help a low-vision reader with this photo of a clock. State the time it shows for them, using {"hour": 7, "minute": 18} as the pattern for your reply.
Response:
{"hour": 1, "minute": 33}
